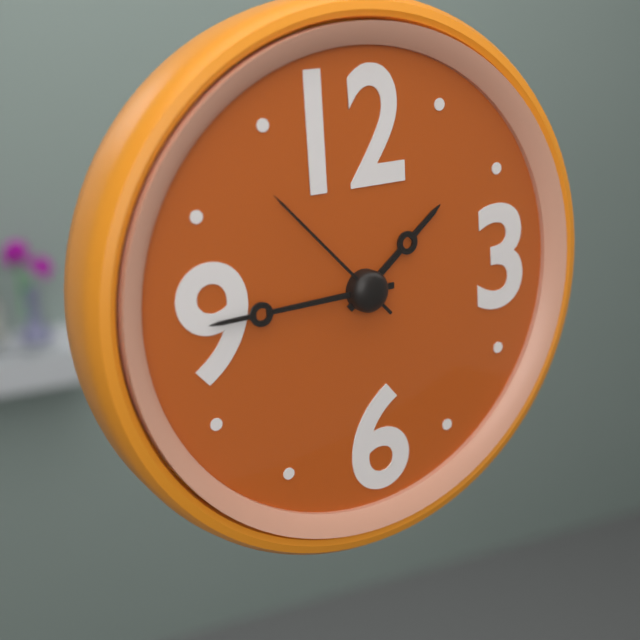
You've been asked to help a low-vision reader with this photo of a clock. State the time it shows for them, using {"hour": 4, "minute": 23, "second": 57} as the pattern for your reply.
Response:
{"hour": 1, "minute": 45, "second": 53}
